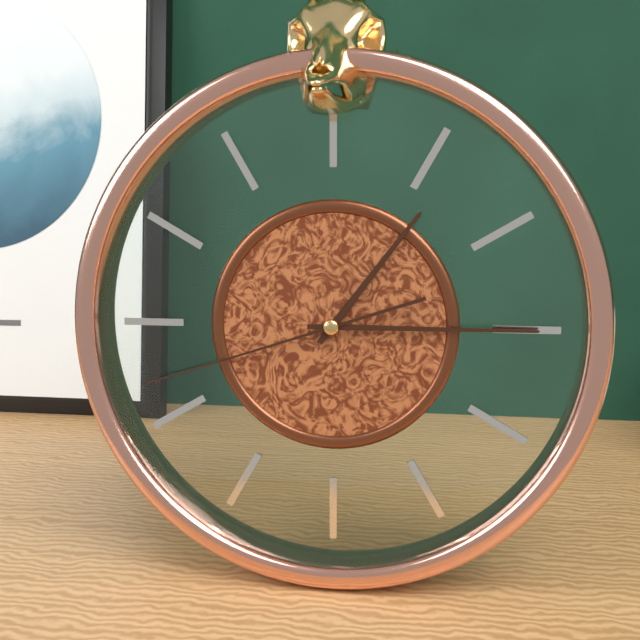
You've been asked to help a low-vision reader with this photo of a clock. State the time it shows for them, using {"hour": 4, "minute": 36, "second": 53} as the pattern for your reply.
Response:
{"hour": 1, "minute": 15, "second": 42}
